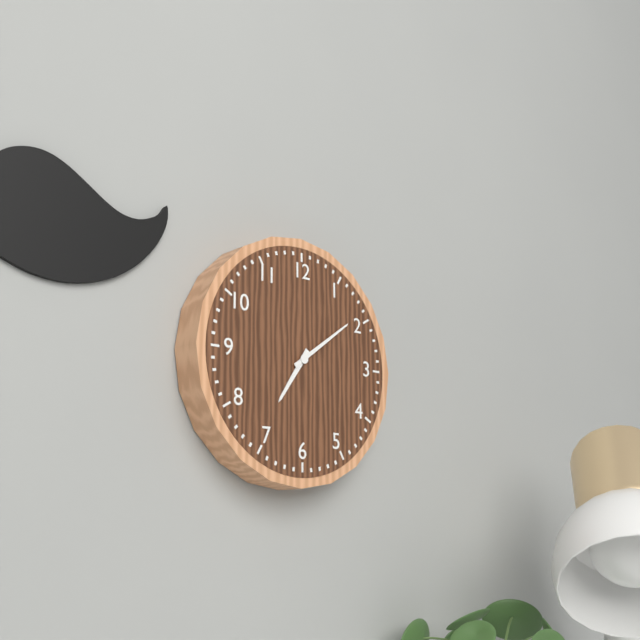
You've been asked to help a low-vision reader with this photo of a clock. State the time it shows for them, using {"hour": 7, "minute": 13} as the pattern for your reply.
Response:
{"hour": 7, "minute": 9}
